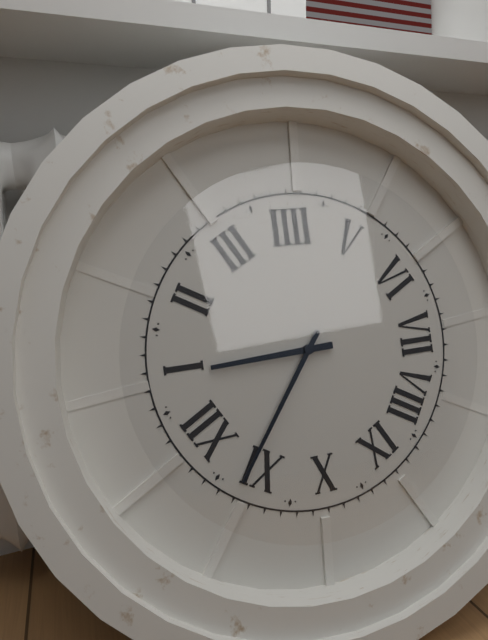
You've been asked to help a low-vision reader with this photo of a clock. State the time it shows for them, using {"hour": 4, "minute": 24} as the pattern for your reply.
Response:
{"hour": 12, "minute": 56}
